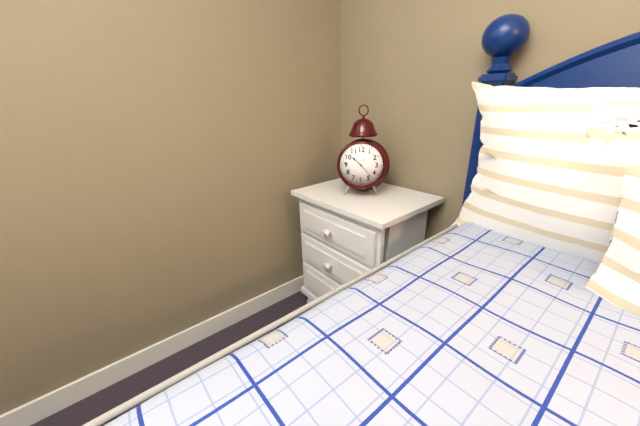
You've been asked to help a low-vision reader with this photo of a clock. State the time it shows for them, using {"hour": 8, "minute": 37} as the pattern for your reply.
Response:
{"hour": 10, "minute": 23}
